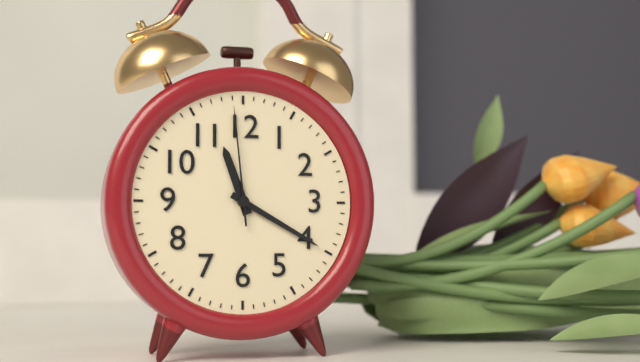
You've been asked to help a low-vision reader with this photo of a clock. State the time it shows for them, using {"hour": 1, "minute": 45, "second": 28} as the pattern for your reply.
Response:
{"hour": 11, "minute": 20, "second": 59}
